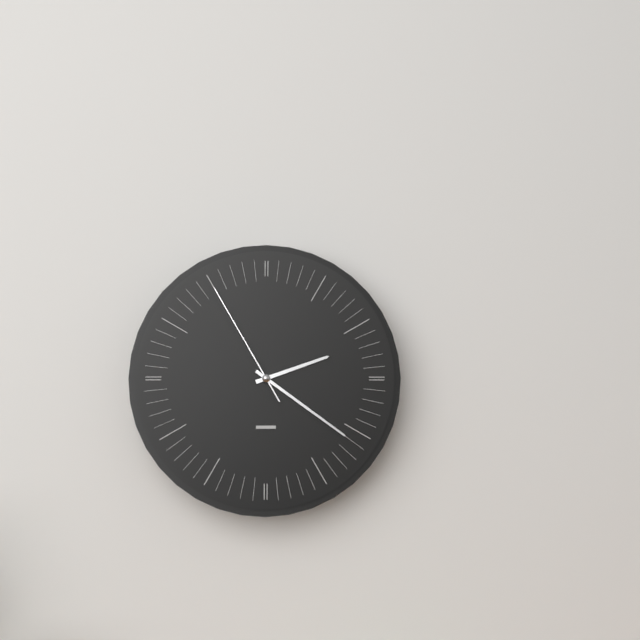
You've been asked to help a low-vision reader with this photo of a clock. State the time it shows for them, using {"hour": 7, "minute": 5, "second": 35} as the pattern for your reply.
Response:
{"hour": 2, "minute": 21, "second": 55}
